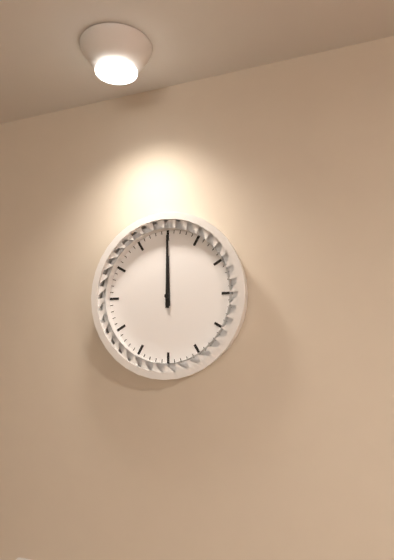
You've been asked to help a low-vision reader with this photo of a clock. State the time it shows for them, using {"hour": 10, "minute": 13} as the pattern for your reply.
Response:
{"hour": 12, "minute": 0}
